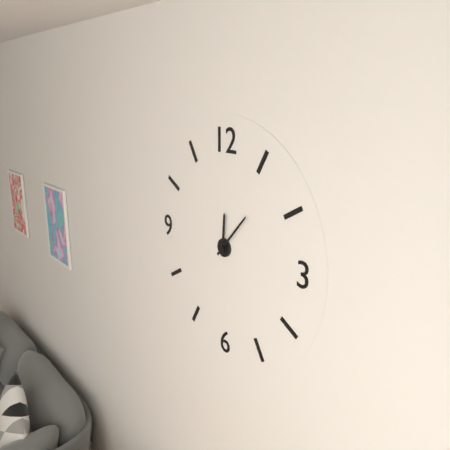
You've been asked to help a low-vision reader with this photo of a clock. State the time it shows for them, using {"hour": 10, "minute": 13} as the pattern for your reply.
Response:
{"hour": 12, "minute": 7}
